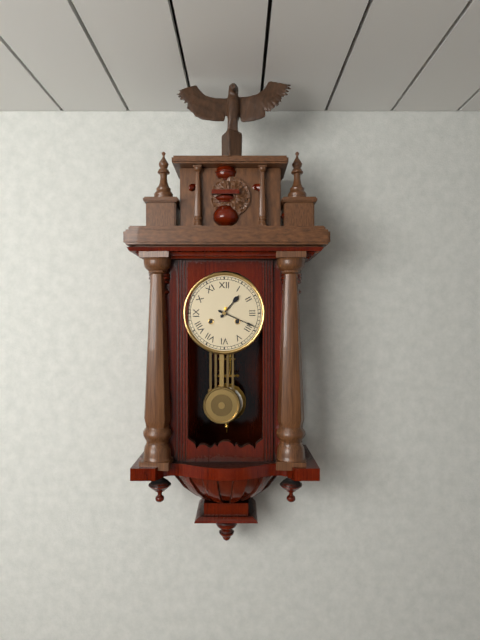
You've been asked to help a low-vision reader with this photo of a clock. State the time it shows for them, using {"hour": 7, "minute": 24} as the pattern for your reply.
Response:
{"hour": 1, "minute": 19}
